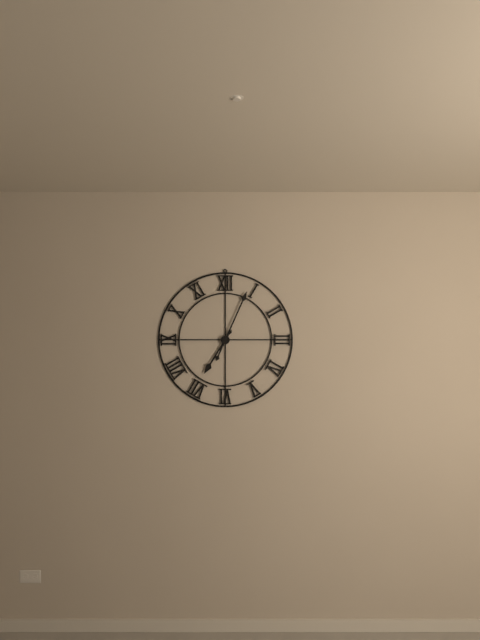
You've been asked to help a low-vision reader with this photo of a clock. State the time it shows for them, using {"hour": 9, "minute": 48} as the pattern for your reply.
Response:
{"hour": 7, "minute": 4}
